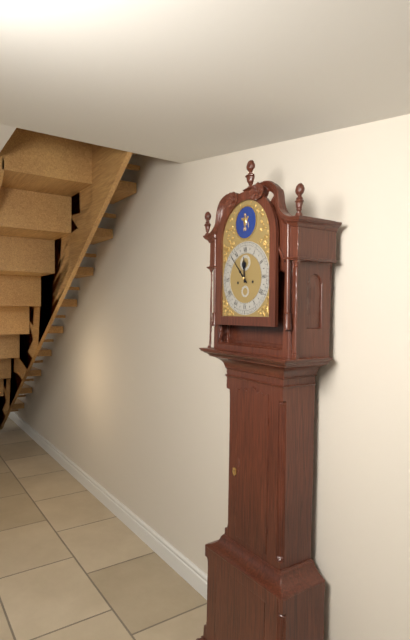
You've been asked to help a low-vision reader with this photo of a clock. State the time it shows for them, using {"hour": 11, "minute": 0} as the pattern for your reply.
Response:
{"hour": 11, "minute": 53}
